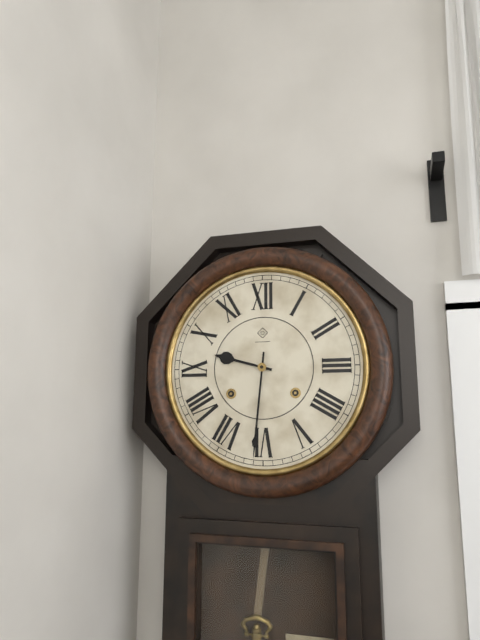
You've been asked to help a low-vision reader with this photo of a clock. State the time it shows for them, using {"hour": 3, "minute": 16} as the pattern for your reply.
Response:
{"hour": 9, "minute": 31}
